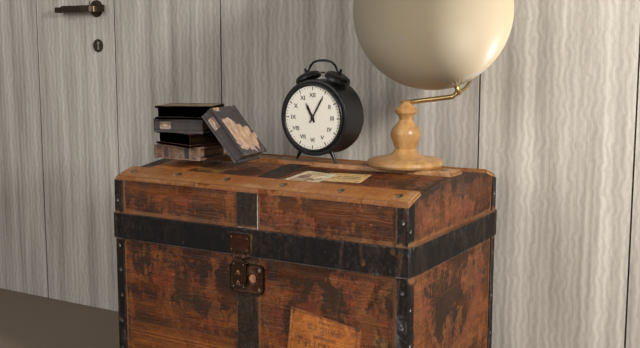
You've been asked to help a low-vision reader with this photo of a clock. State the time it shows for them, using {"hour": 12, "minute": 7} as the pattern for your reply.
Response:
{"hour": 11, "minute": 5}
